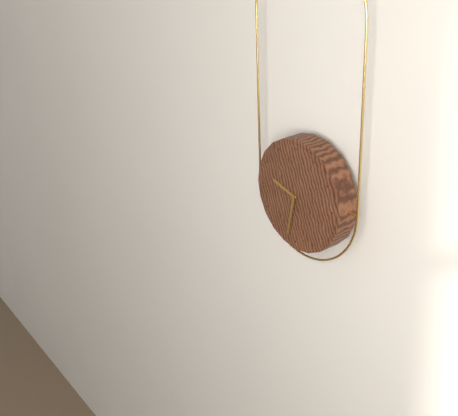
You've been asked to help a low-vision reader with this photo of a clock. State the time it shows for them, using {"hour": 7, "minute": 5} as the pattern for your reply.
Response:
{"hour": 9, "minute": 32}
